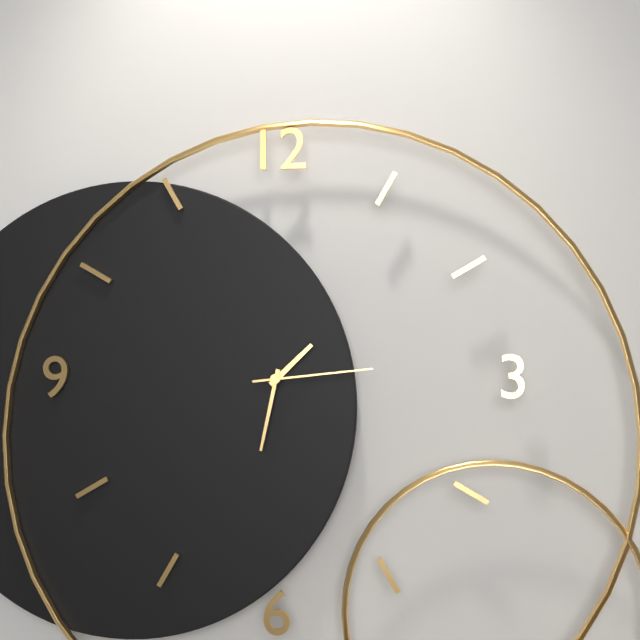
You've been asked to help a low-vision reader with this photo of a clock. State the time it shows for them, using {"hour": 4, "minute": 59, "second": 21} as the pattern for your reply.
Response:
{"hour": 1, "minute": 32, "second": 14}
